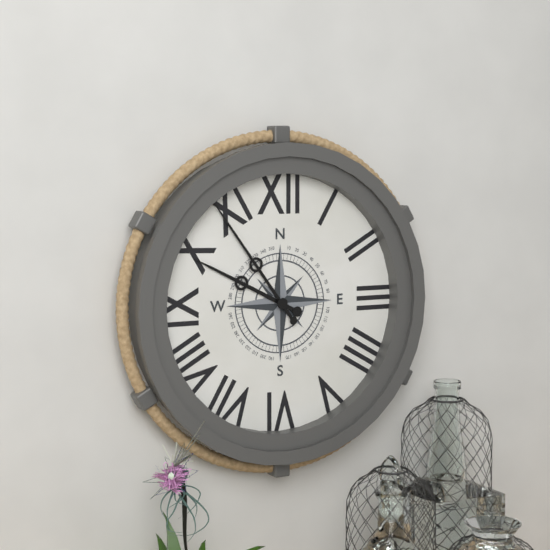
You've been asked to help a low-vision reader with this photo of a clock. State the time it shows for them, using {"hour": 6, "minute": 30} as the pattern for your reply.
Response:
{"hour": 9, "minute": 54}
